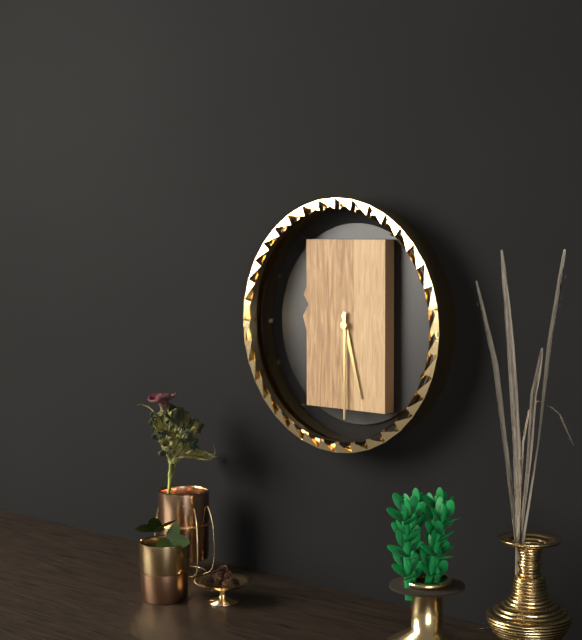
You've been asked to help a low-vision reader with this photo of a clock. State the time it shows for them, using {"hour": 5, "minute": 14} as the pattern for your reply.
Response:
{"hour": 5, "minute": 30}
